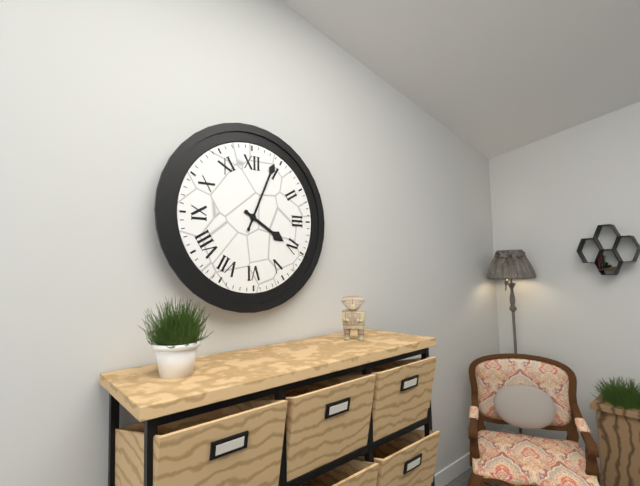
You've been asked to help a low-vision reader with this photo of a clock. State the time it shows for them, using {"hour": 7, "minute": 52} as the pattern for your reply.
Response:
{"hour": 4, "minute": 4}
